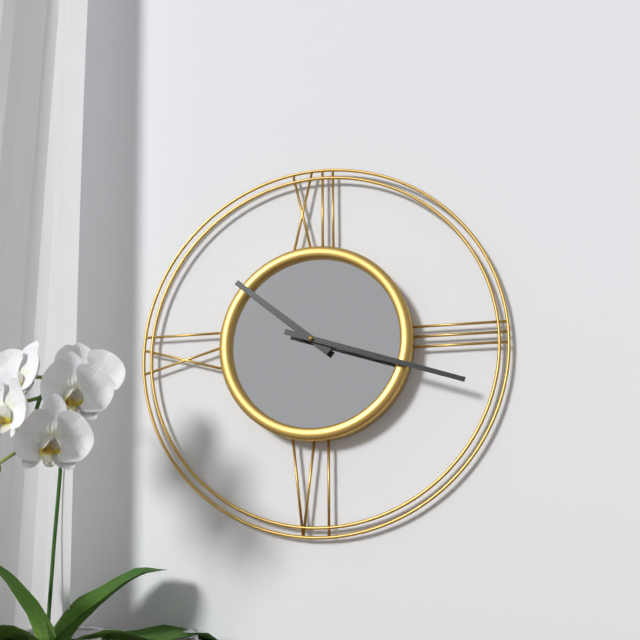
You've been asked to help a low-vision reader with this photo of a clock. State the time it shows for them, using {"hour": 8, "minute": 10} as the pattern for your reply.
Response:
{"hour": 10, "minute": 18}
